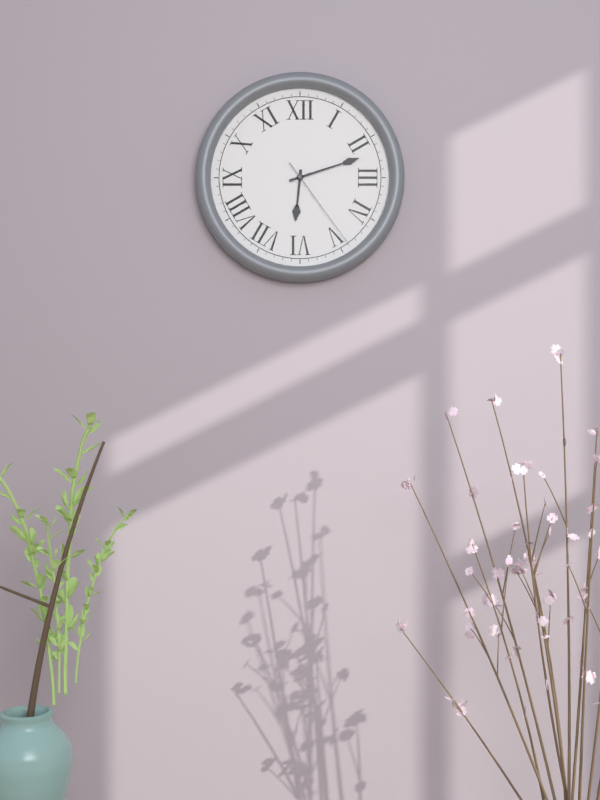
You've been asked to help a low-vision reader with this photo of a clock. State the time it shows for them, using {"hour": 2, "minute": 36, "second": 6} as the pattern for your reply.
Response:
{"hour": 6, "minute": 12, "second": 24}
